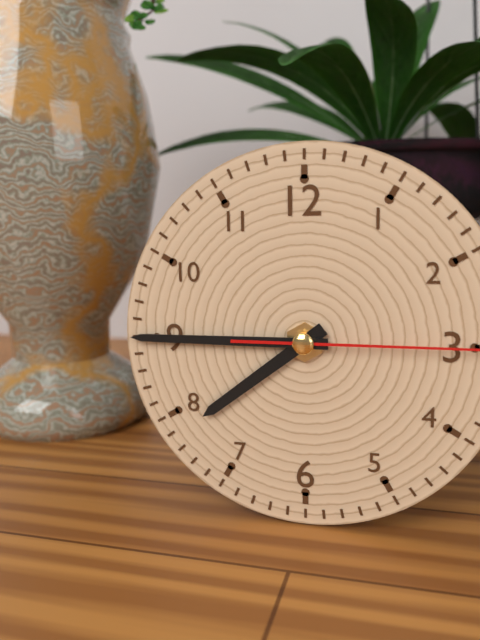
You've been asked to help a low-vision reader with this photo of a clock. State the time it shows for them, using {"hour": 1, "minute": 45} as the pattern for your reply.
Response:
{"hour": 7, "minute": 45}
